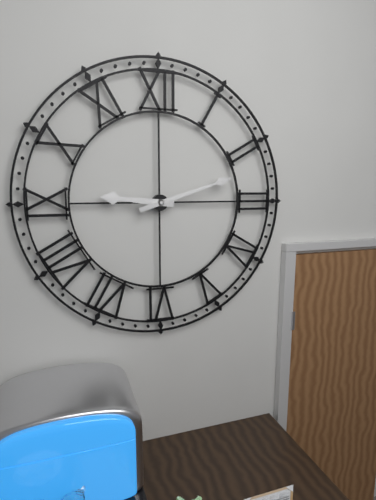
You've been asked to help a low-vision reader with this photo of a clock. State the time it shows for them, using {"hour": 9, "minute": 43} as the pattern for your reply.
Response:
{"hour": 9, "minute": 12}
